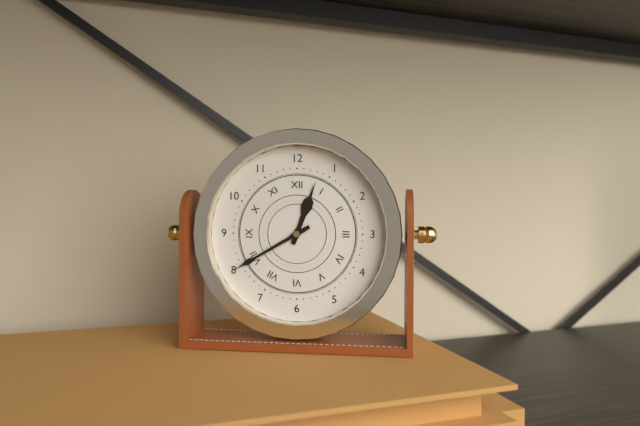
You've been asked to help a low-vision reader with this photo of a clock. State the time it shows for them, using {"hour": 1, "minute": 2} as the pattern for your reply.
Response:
{"hour": 12, "minute": 40}
